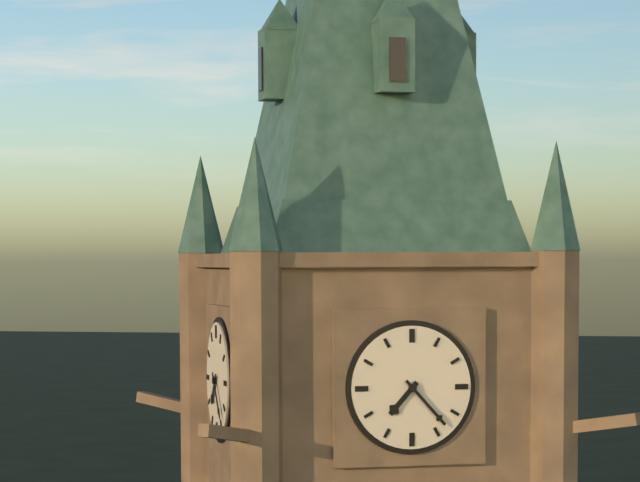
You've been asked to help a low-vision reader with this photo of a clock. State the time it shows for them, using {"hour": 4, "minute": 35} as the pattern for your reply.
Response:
{"hour": 7, "minute": 23}
